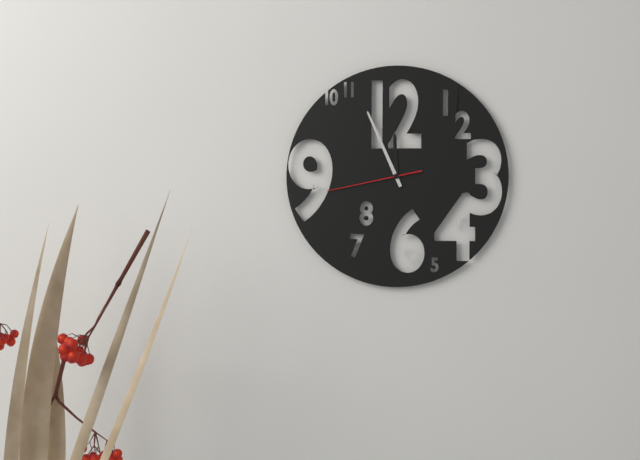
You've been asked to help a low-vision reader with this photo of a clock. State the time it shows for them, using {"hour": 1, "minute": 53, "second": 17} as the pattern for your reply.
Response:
{"hour": 11, "minute": 56, "second": 43}
